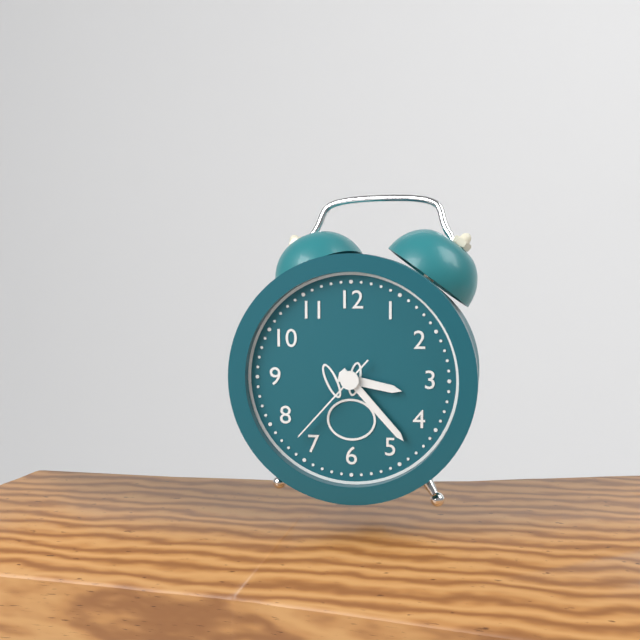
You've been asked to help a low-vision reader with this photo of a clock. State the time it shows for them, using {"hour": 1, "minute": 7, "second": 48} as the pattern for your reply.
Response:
{"hour": 3, "minute": 23, "second": 37}
